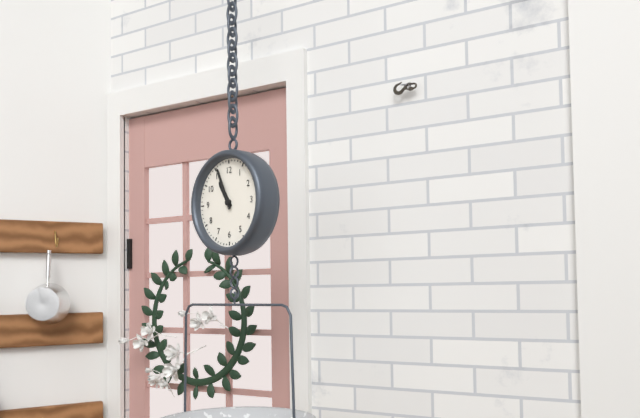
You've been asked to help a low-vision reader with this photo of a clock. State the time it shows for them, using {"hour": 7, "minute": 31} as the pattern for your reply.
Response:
{"hour": 10, "minute": 56}
